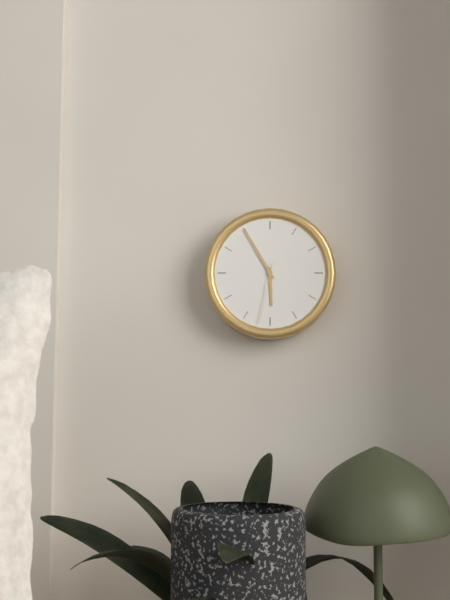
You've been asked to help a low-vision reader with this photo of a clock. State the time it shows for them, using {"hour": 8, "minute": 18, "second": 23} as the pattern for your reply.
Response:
{"hour": 5, "minute": 55, "second": 32}
